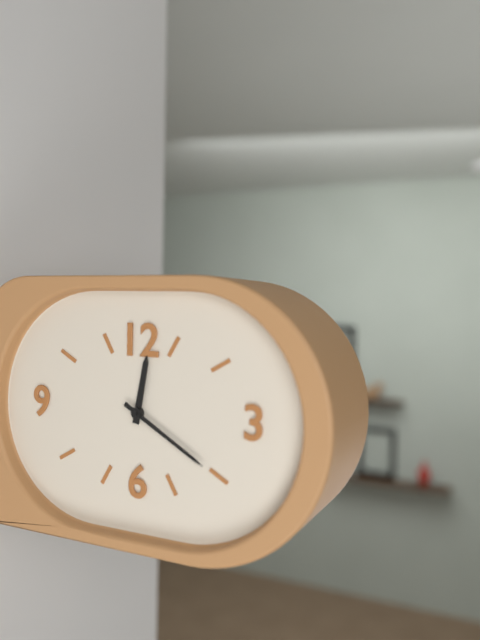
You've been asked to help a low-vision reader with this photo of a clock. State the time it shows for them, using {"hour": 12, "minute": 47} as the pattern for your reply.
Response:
{"hour": 12, "minute": 20}
